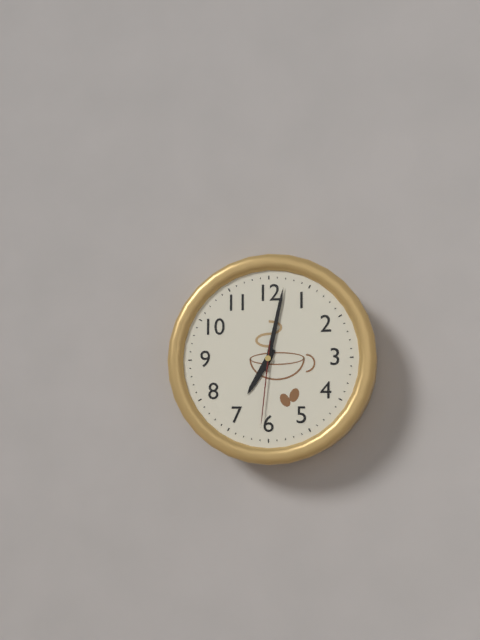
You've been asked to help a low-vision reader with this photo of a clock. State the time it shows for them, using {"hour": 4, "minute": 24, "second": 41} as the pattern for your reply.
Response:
{"hour": 7, "minute": 2, "second": 31}
